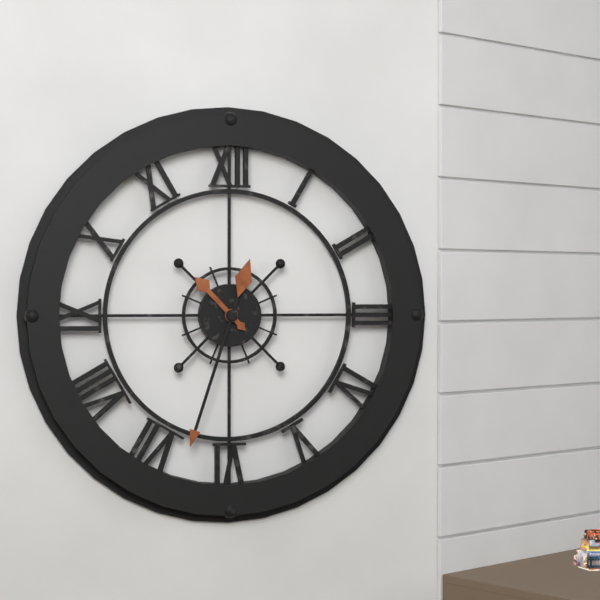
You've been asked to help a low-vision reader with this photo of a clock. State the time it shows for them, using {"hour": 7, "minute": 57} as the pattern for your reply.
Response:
{"hour": 10, "minute": 33}
